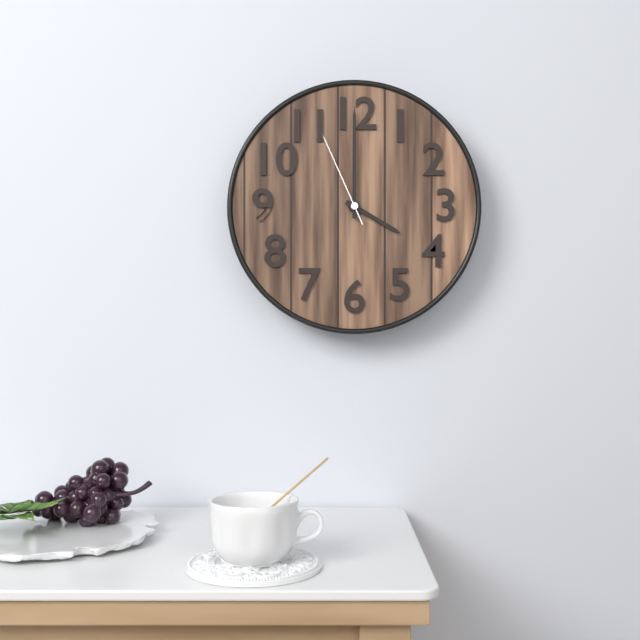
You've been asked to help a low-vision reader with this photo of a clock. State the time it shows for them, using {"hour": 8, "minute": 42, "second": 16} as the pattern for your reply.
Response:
{"hour": 4, "minute": 0, "second": 56}
